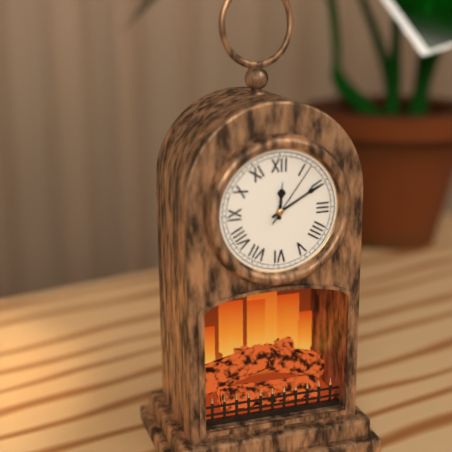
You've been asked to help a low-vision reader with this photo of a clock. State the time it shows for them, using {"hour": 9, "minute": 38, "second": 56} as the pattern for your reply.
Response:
{"hour": 12, "minute": 10, "second": 6}
